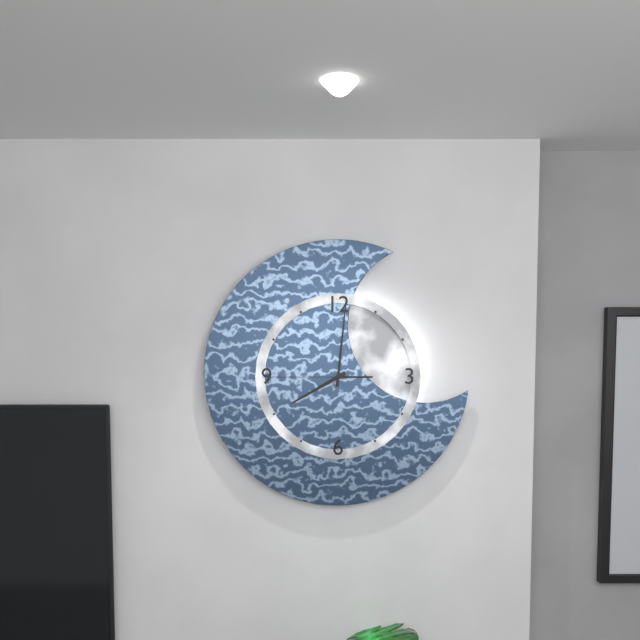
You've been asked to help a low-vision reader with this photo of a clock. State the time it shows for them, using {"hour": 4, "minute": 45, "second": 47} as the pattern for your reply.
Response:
{"hour": 8, "minute": 1, "second": 45}
